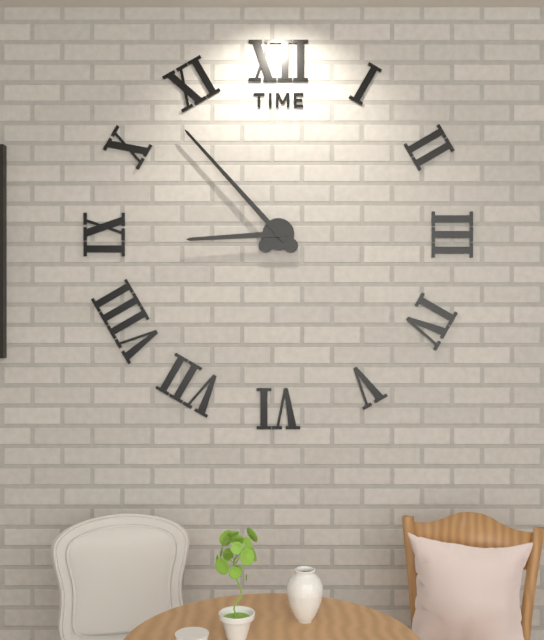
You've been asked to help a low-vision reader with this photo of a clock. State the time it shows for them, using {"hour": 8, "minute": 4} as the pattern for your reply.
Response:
{"hour": 8, "minute": 53}
